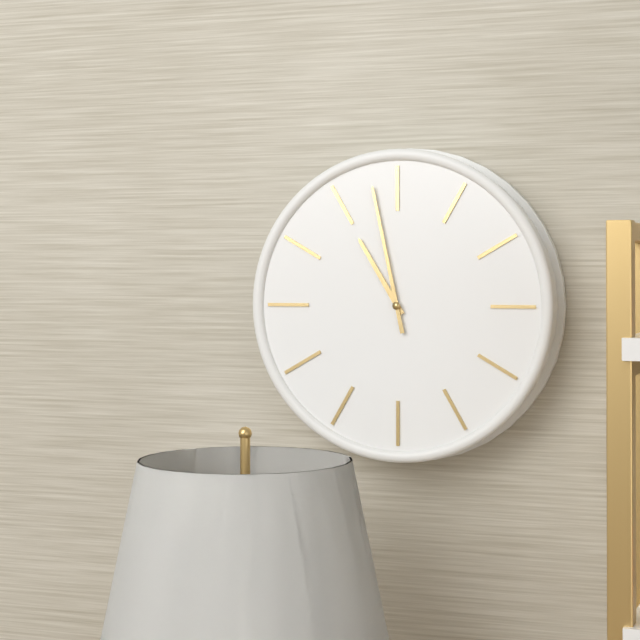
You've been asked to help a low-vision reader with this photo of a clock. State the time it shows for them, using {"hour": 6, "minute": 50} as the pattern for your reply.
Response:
{"hour": 10, "minute": 58}
